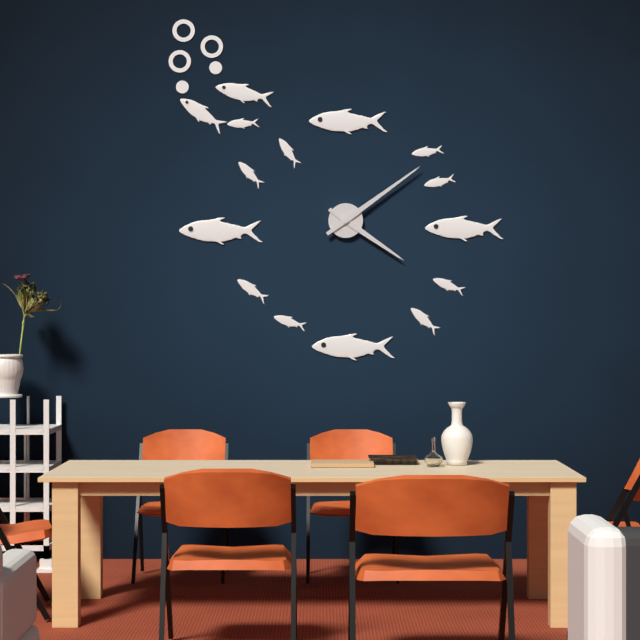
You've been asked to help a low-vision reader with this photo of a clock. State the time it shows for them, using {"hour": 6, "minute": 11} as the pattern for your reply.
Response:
{"hour": 4, "minute": 9}
